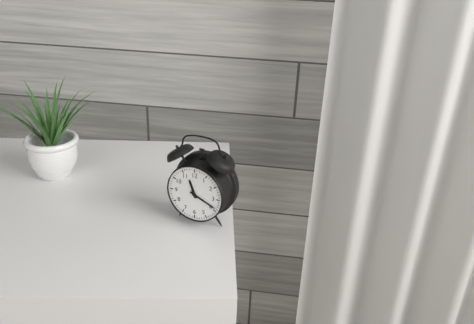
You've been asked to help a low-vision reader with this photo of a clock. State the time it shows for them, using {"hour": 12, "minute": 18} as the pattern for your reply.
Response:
{"hour": 11, "minute": 19}
